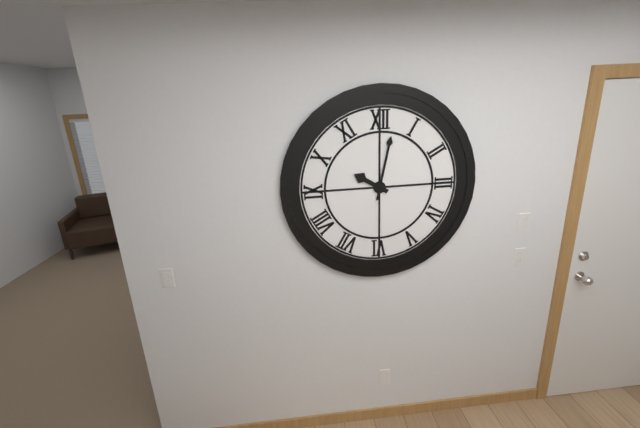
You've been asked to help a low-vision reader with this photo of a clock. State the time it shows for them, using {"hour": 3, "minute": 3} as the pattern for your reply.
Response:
{"hour": 10, "minute": 2}
